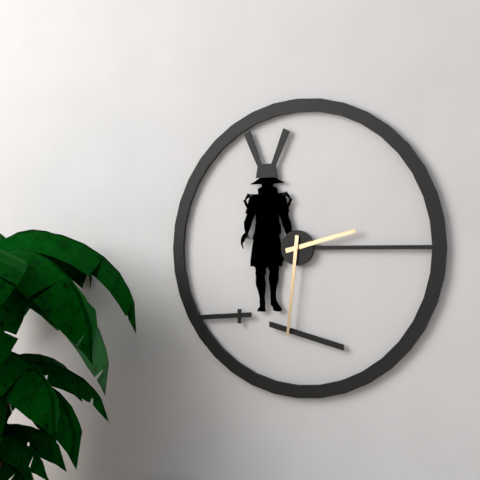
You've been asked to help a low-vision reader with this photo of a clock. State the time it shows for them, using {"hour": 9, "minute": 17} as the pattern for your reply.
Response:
{"hour": 2, "minute": 31}
